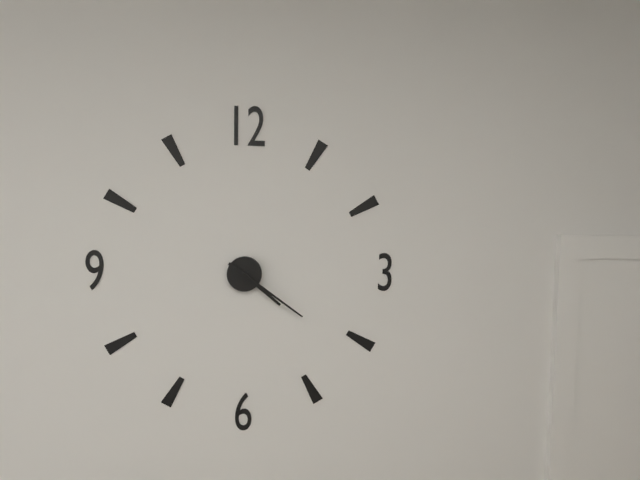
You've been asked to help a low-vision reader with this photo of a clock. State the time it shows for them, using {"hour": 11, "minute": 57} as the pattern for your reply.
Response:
{"hour": 4, "minute": 21}
